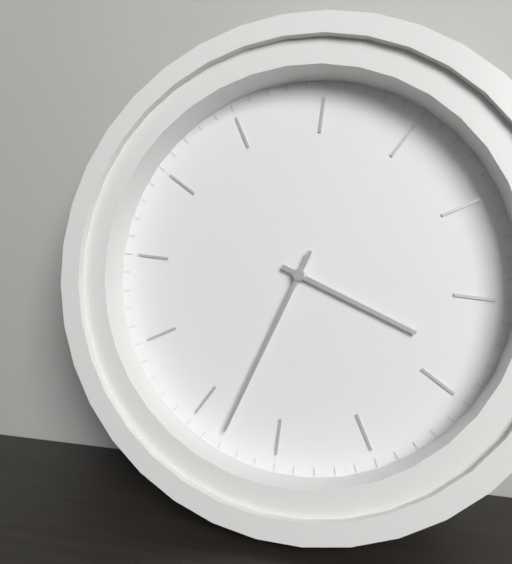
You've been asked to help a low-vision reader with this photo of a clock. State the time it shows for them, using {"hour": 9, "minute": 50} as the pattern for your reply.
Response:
{"hour": 4, "minute": 38}
